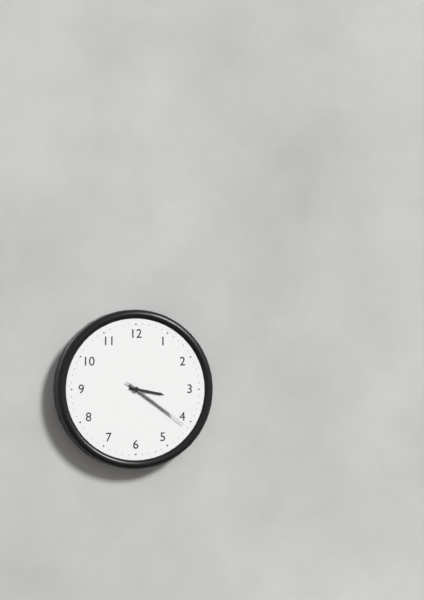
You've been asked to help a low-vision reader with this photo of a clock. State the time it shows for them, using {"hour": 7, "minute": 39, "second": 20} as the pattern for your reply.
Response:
{"hour": 3, "minute": 21, "second": 21}
